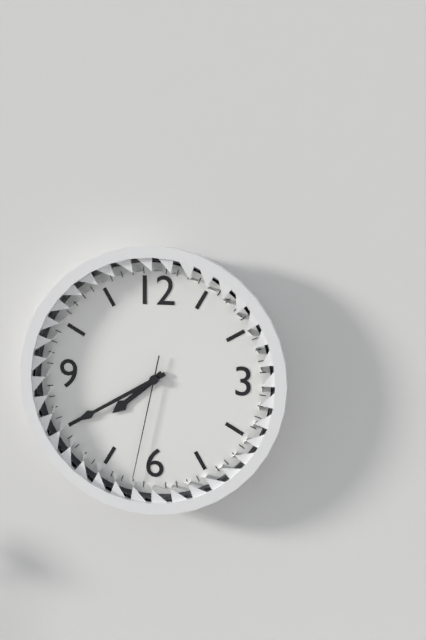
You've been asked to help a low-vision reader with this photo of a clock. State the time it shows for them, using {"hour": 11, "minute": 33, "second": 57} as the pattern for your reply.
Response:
{"hour": 7, "minute": 40, "second": 32}
